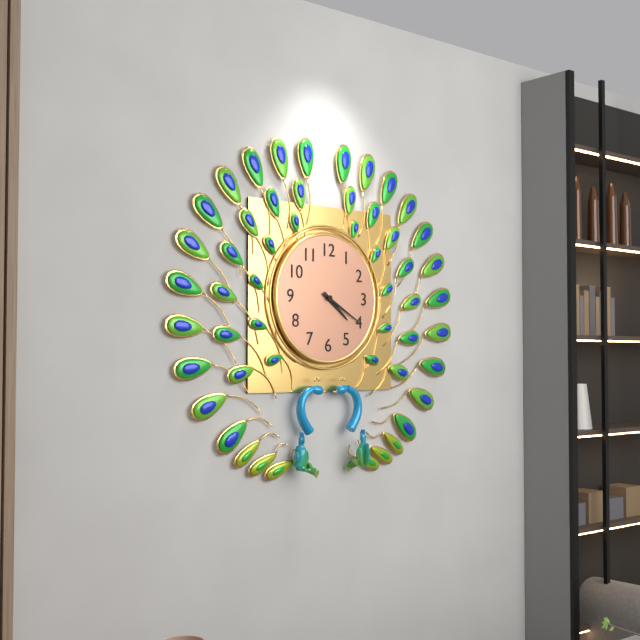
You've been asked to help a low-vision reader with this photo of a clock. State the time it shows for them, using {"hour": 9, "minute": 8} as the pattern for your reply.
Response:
{"hour": 4, "minute": 20}
